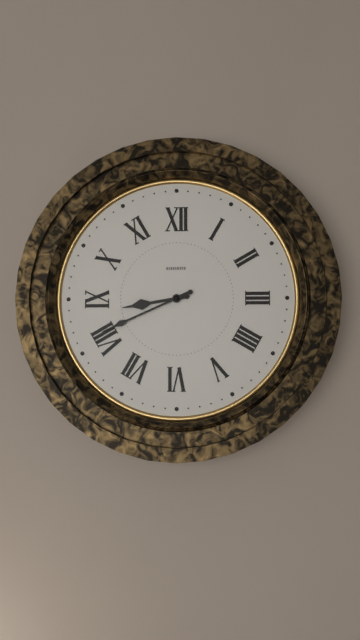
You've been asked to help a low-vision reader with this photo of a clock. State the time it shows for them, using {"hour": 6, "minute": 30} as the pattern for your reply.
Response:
{"hour": 8, "minute": 41}
